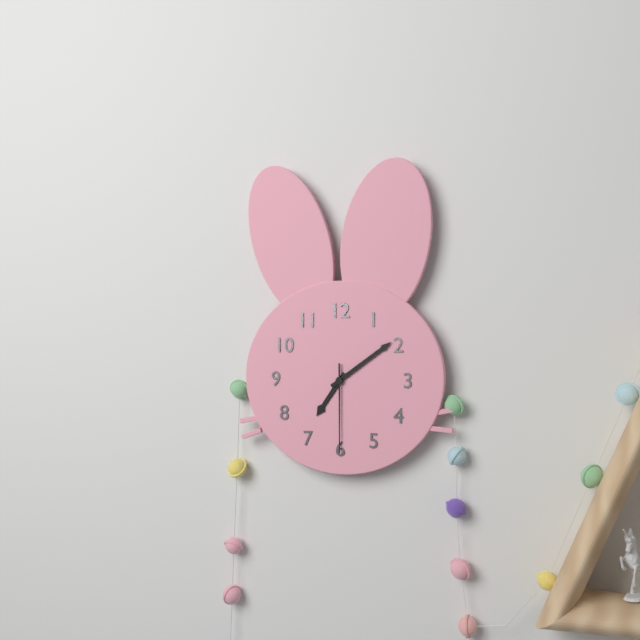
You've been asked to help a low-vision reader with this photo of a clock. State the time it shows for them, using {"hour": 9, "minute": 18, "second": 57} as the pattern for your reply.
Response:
{"hour": 7, "minute": 9, "second": 30}
